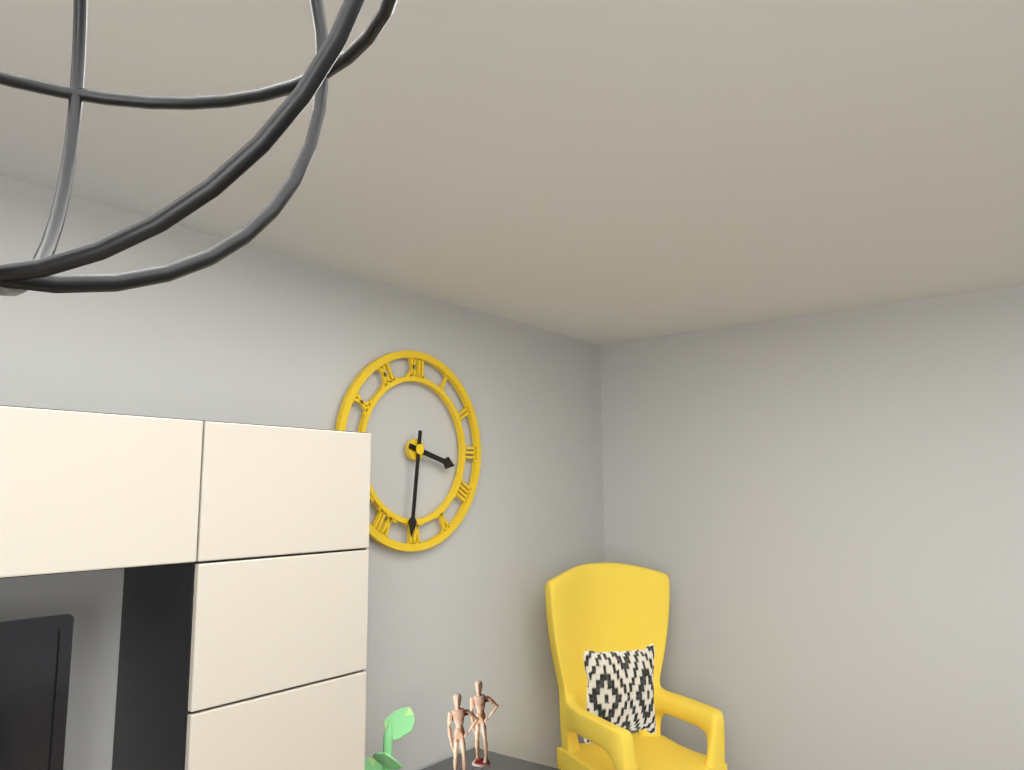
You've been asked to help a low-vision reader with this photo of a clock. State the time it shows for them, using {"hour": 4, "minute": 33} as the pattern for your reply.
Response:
{"hour": 3, "minute": 31}
